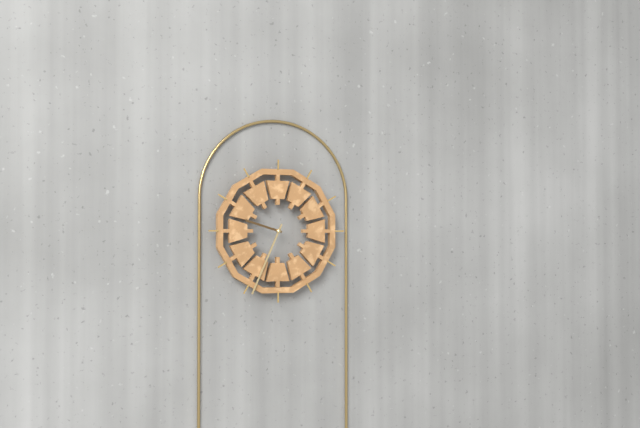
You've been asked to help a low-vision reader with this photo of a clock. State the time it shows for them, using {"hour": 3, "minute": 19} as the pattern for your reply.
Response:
{"hour": 9, "minute": 34}
